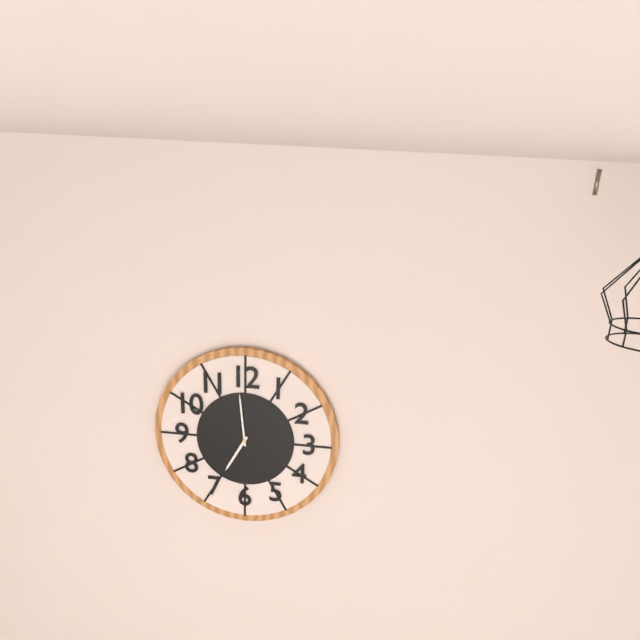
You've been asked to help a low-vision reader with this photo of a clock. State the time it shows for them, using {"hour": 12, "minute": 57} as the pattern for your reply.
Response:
{"hour": 6, "minute": 59}
